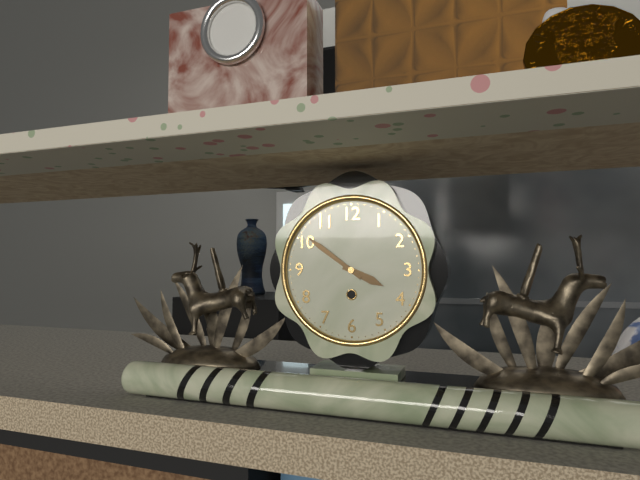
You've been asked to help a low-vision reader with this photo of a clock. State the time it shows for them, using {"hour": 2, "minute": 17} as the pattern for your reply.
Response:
{"hour": 3, "minute": 51}
